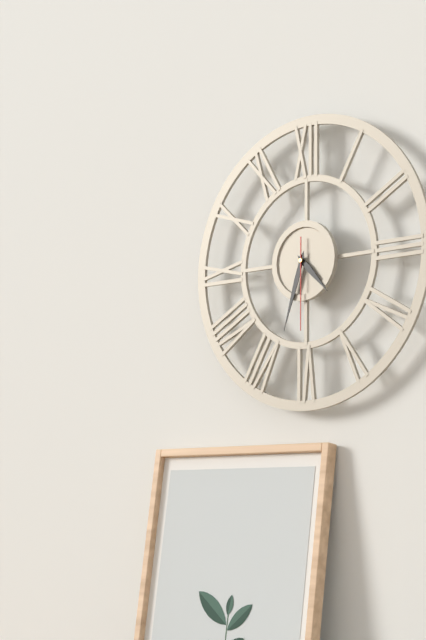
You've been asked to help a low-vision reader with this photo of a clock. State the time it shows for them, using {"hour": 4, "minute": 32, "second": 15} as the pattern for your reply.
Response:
{"hour": 4, "minute": 33, "second": 30}
